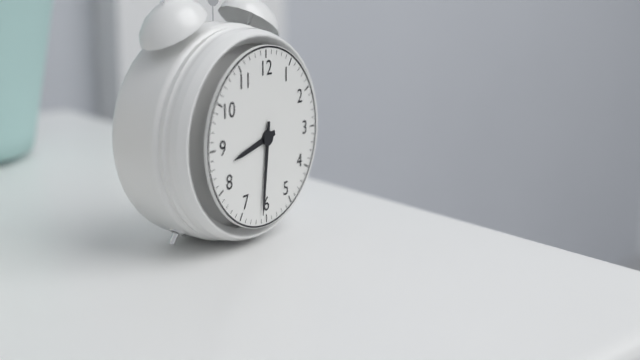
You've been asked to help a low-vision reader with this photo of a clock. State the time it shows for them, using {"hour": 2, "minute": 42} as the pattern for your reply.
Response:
{"hour": 8, "minute": 31}
